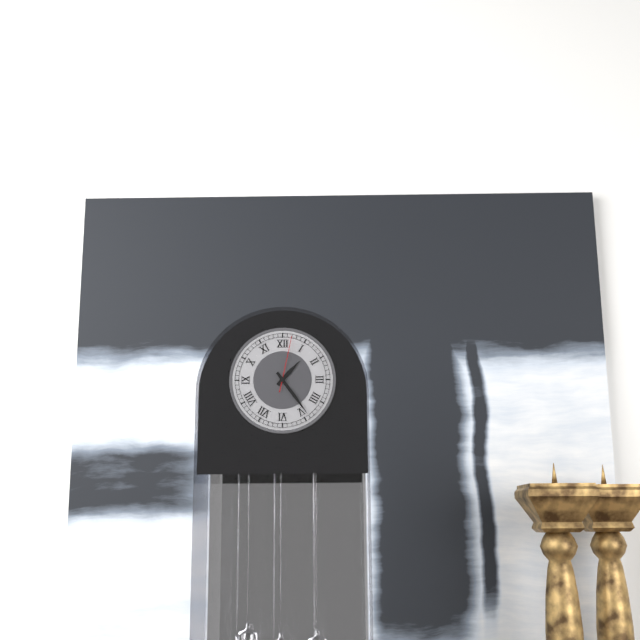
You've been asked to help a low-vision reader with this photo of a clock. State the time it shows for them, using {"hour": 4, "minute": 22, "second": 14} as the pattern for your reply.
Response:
{"hour": 1, "minute": 24, "second": 2}
